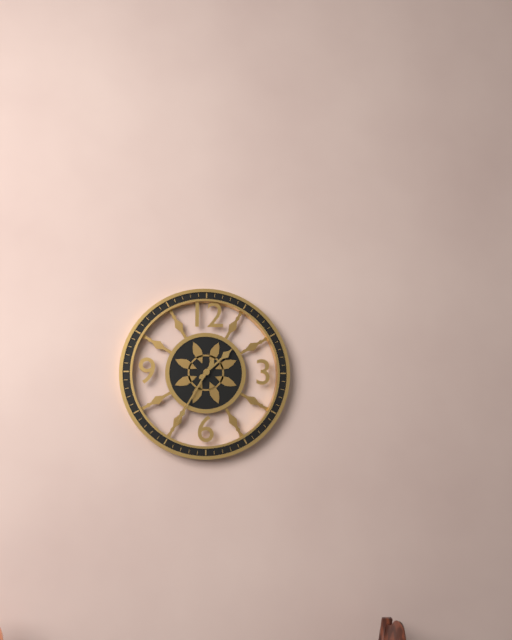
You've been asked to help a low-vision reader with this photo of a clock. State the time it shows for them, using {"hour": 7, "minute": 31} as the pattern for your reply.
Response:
{"hour": 1, "minute": 35}
